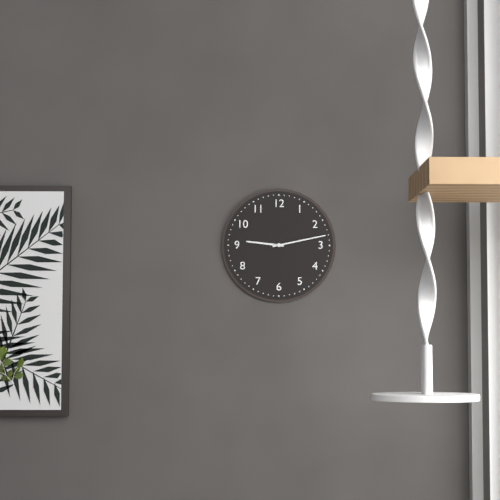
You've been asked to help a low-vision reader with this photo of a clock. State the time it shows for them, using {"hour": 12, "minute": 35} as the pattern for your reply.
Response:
{"hour": 9, "minute": 13}
